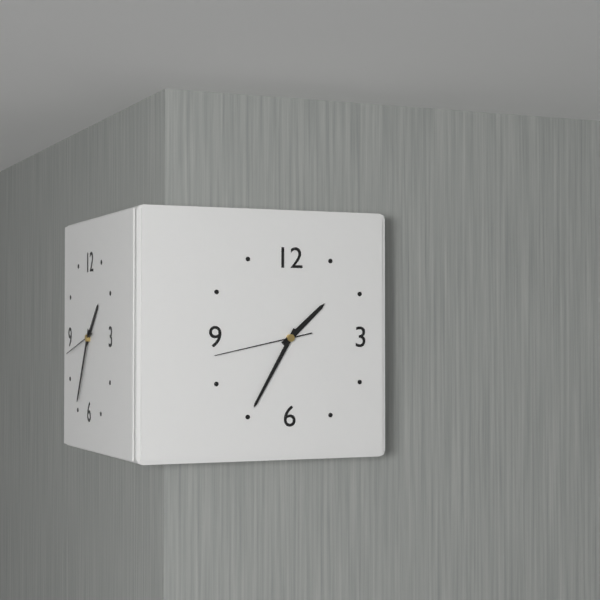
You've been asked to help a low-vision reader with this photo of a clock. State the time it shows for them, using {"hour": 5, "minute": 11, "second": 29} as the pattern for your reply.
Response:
{"hour": 1, "minute": 35, "second": 43}
